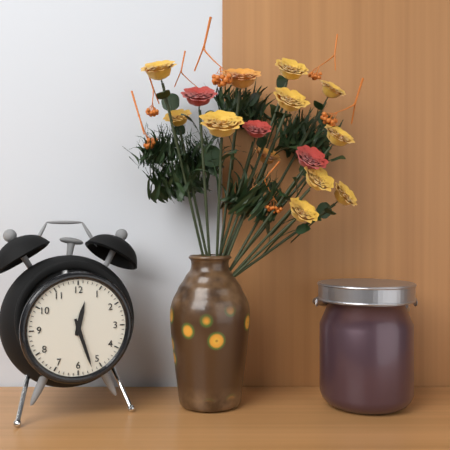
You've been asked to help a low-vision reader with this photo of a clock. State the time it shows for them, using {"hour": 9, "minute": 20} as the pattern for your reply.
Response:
{"hour": 12, "minute": 27}
